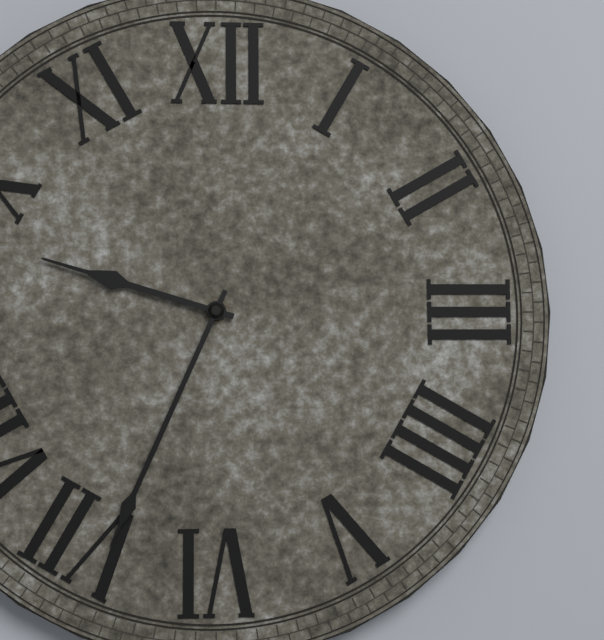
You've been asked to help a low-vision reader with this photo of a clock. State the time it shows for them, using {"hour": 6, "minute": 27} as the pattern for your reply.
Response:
{"hour": 9, "minute": 34}
